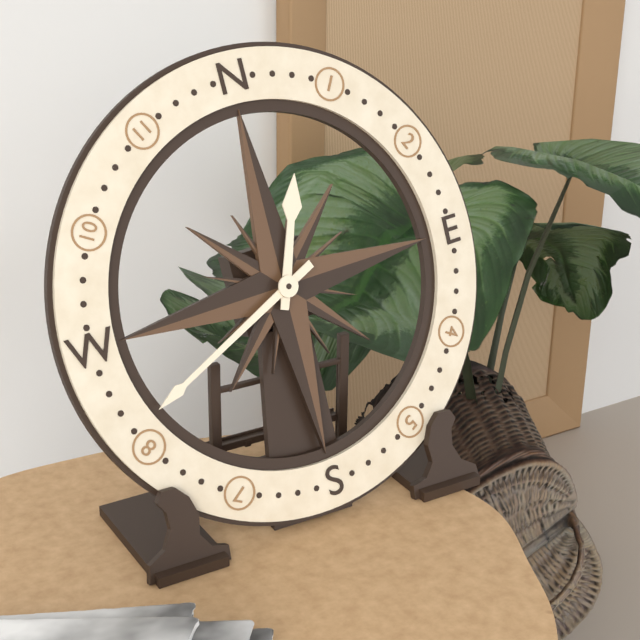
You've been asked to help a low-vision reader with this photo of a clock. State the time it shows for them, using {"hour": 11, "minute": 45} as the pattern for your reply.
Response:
{"hour": 12, "minute": 41}
